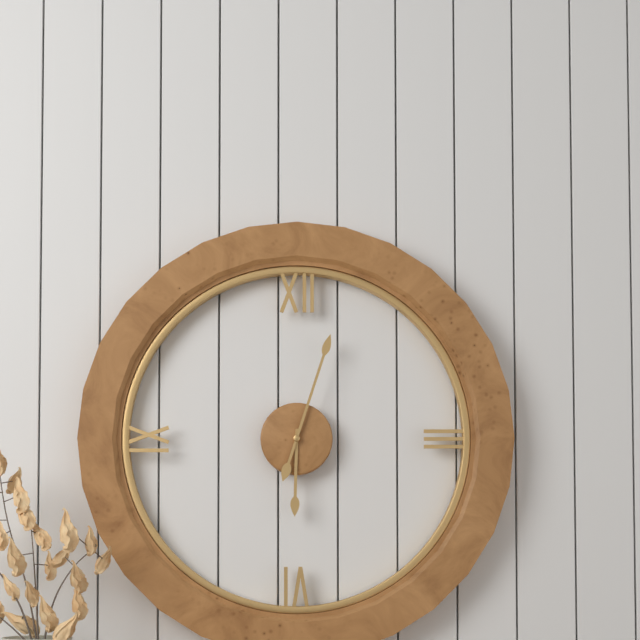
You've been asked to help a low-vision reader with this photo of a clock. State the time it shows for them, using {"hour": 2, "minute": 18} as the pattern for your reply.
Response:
{"hour": 6, "minute": 3}
